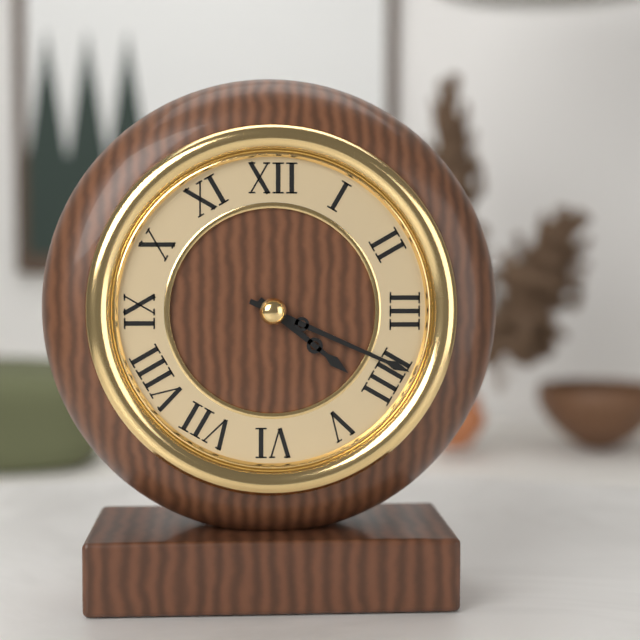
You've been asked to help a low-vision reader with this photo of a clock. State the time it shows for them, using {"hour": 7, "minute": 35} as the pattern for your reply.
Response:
{"hour": 4, "minute": 19}
